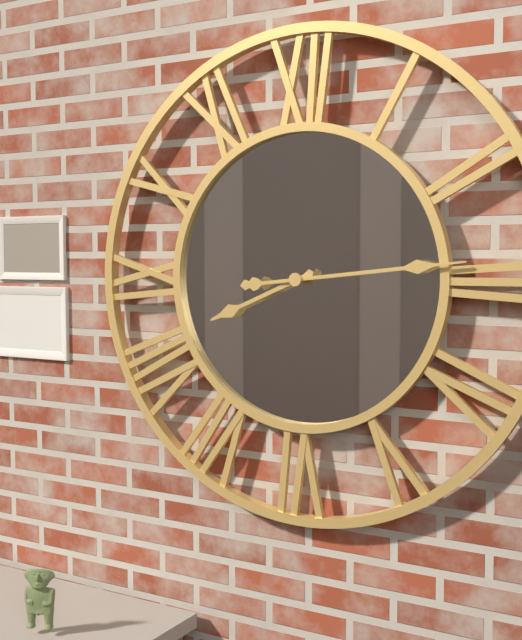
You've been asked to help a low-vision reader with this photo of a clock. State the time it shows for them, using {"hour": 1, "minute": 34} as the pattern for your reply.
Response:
{"hour": 8, "minute": 14}
